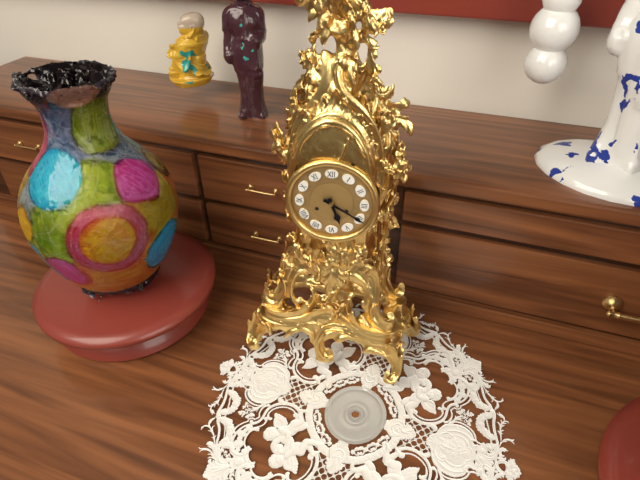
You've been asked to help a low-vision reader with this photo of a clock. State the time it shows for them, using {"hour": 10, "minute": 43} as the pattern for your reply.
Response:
{"hour": 5, "minute": 20}
